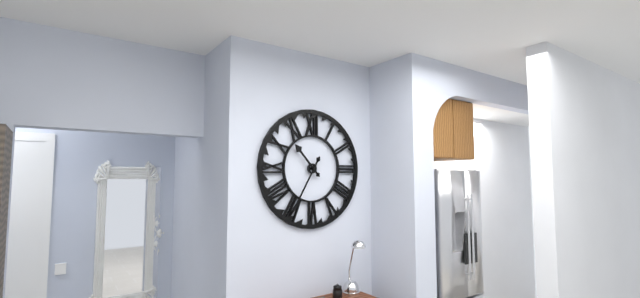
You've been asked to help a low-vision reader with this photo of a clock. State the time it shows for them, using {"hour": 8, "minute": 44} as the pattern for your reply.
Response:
{"hour": 10, "minute": 35}
